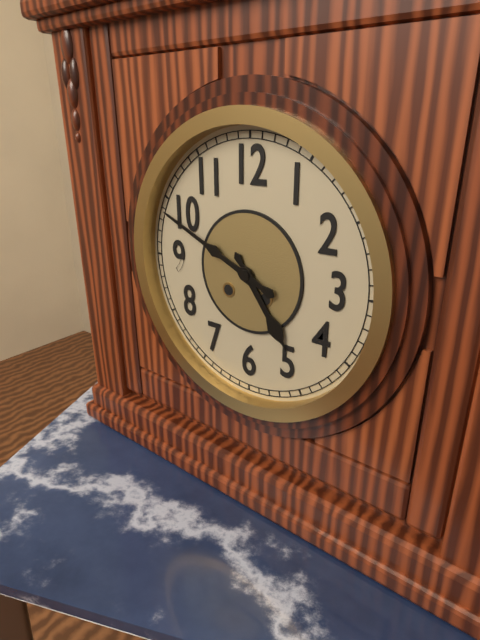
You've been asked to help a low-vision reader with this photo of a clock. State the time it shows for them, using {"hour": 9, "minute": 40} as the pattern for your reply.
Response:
{"hour": 4, "minute": 49}
